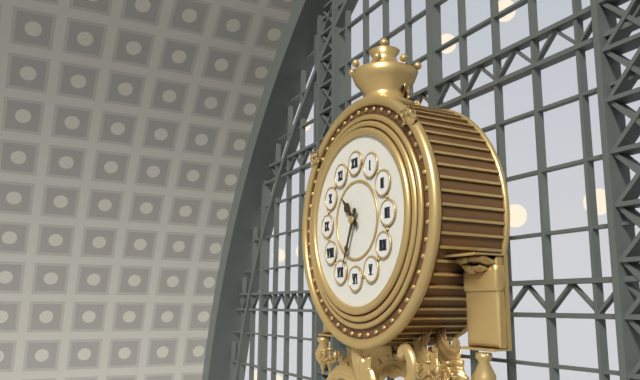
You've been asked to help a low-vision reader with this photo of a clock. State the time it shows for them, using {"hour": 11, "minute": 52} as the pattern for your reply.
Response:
{"hour": 10, "minute": 34}
